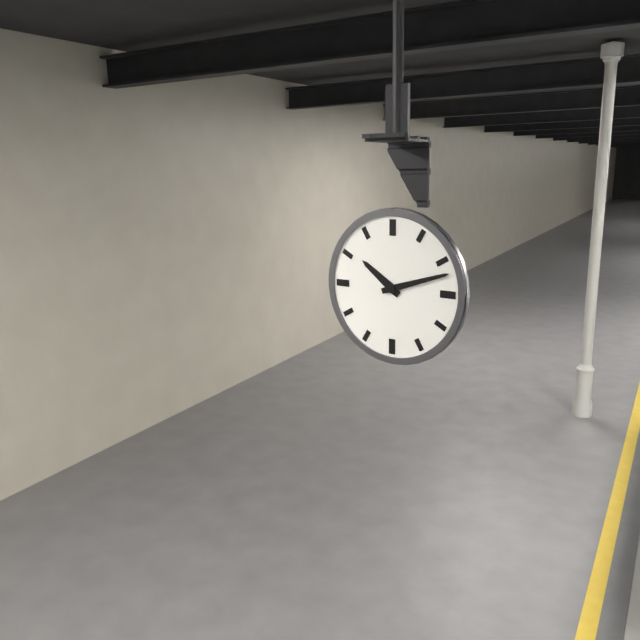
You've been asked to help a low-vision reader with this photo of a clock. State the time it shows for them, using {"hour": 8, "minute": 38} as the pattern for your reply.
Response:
{"hour": 10, "minute": 12}
